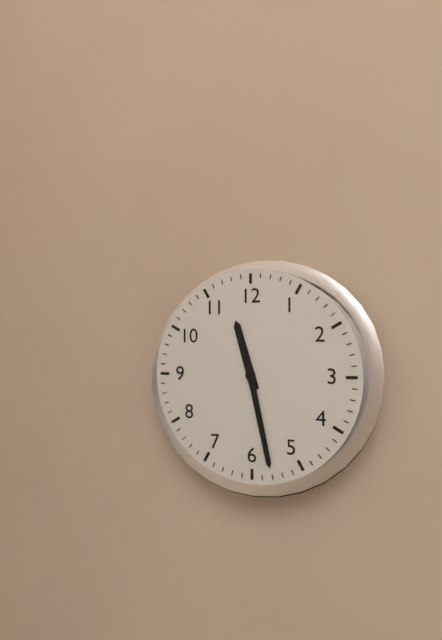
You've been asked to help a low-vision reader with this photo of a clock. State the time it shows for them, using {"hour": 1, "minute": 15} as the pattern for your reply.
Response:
{"hour": 11, "minute": 28}
